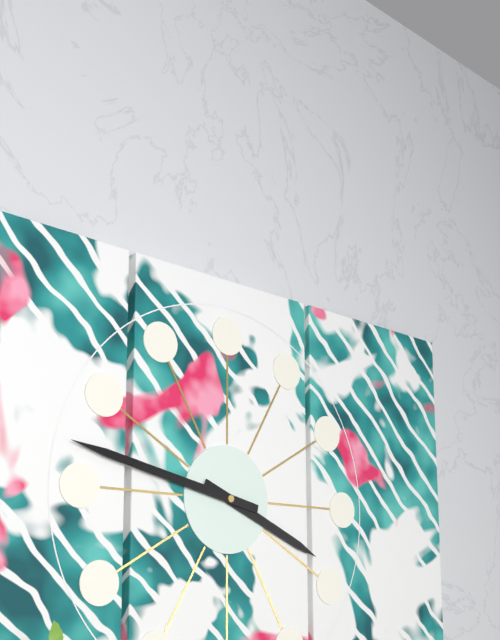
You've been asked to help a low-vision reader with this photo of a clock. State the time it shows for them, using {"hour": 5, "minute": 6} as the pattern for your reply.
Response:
{"hour": 3, "minute": 47}
